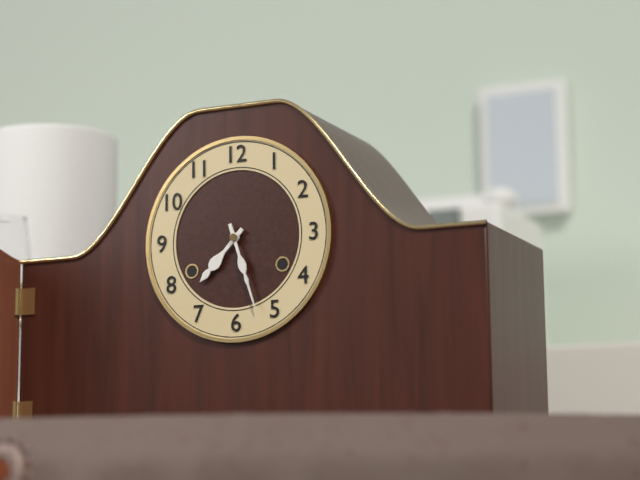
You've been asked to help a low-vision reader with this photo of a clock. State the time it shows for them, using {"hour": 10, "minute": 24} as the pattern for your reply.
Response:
{"hour": 7, "minute": 27}
